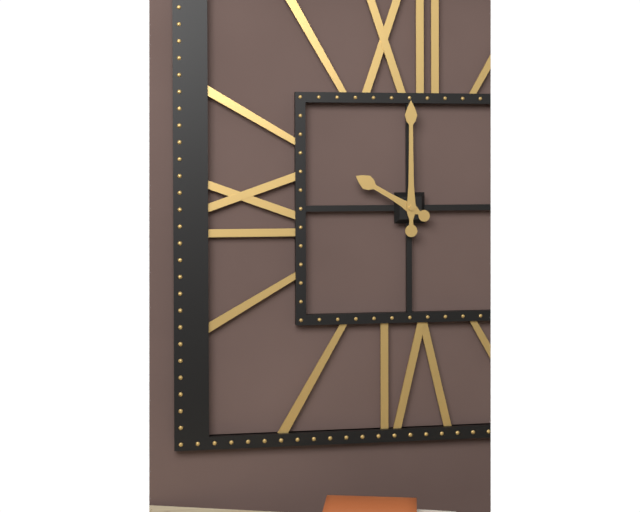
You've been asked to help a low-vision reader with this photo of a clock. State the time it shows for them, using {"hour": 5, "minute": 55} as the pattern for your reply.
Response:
{"hour": 10, "minute": 0}
